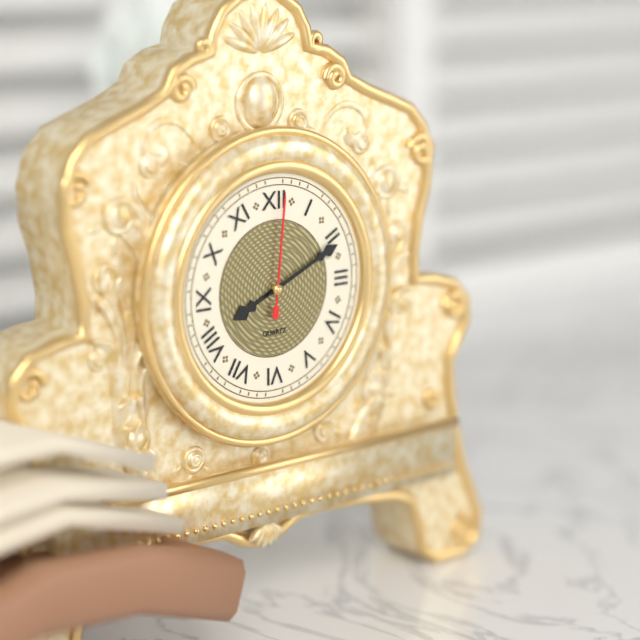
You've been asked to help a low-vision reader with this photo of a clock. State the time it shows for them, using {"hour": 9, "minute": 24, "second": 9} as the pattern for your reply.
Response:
{"hour": 8, "minute": 11, "second": 1}
